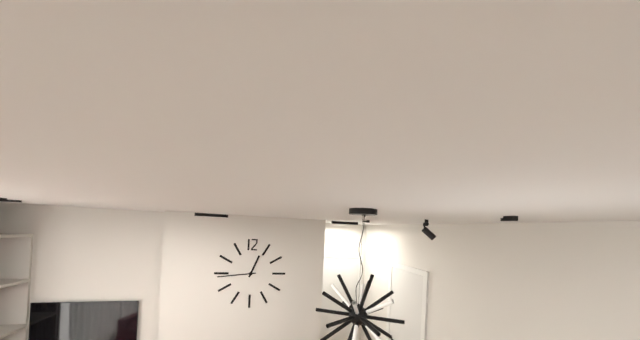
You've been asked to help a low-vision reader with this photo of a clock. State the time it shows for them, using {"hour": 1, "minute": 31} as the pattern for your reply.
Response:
{"hour": 12, "minute": 44}
